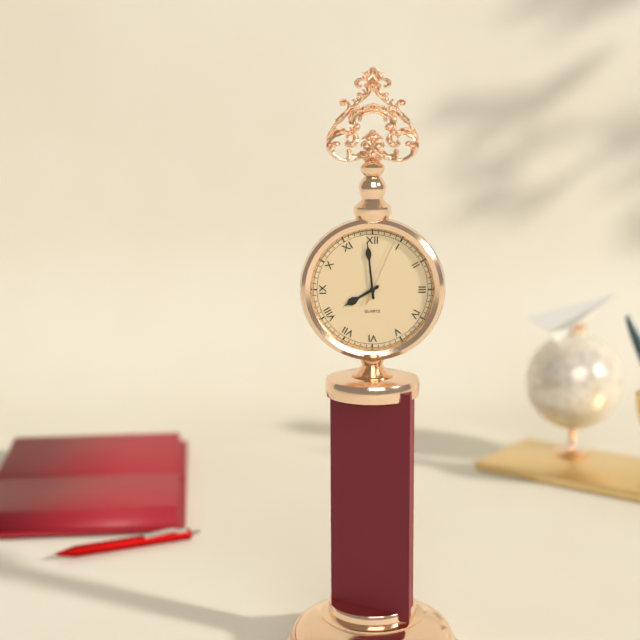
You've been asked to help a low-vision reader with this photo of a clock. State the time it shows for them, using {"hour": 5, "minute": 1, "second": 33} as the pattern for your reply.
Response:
{"hour": 7, "minute": 59, "second": 4}
